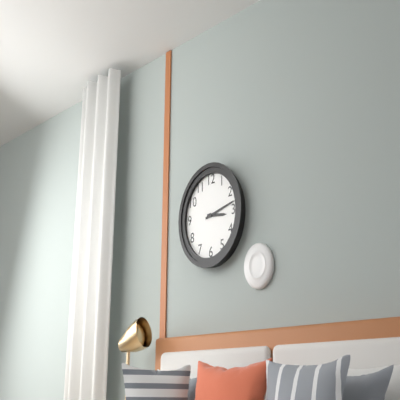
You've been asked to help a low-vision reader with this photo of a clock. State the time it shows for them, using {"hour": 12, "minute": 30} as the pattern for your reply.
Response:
{"hour": 3, "minute": 13}
